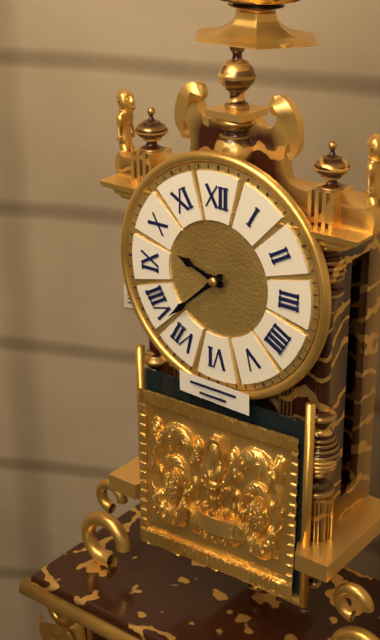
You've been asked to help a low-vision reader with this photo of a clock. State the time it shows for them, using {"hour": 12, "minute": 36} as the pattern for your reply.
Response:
{"hour": 9, "minute": 38}
